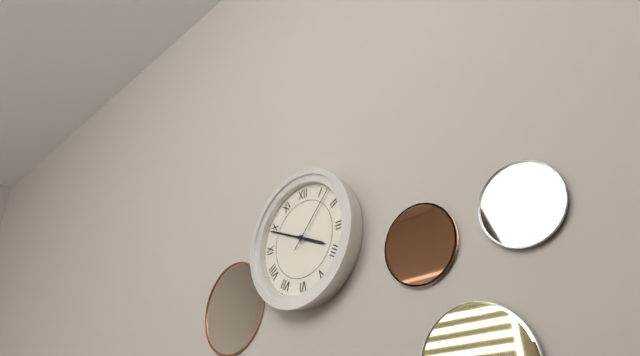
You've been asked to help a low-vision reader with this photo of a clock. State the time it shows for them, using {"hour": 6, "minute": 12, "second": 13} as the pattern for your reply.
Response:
{"hour": 3, "minute": 49, "second": 7}
